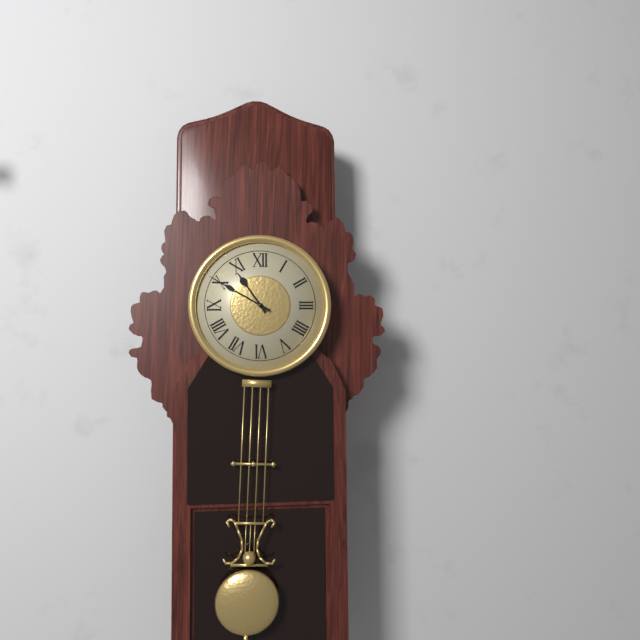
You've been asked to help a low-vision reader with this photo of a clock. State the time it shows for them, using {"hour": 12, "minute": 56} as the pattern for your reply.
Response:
{"hour": 10, "minute": 50}
